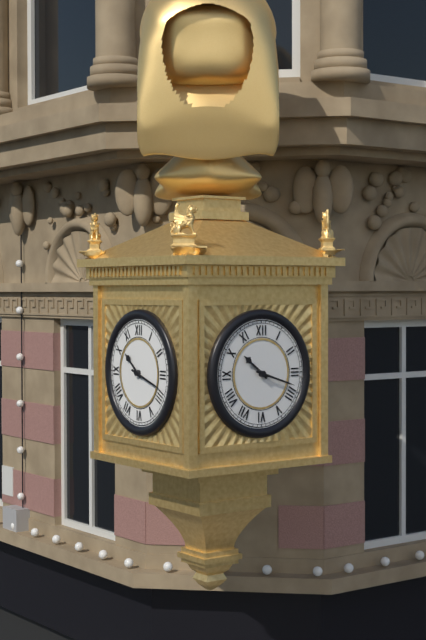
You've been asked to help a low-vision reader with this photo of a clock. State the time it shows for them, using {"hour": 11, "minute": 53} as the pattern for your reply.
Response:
{"hour": 10, "minute": 18}
